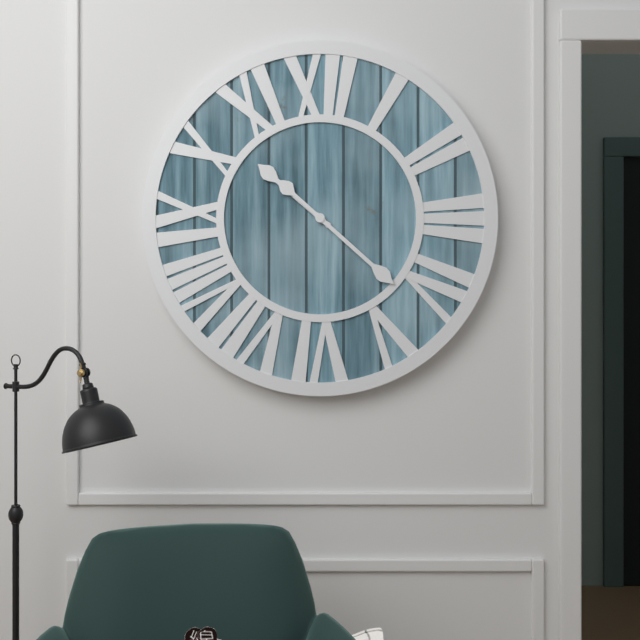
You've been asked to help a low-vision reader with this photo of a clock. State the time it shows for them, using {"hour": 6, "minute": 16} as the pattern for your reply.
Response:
{"hour": 10, "minute": 22}
